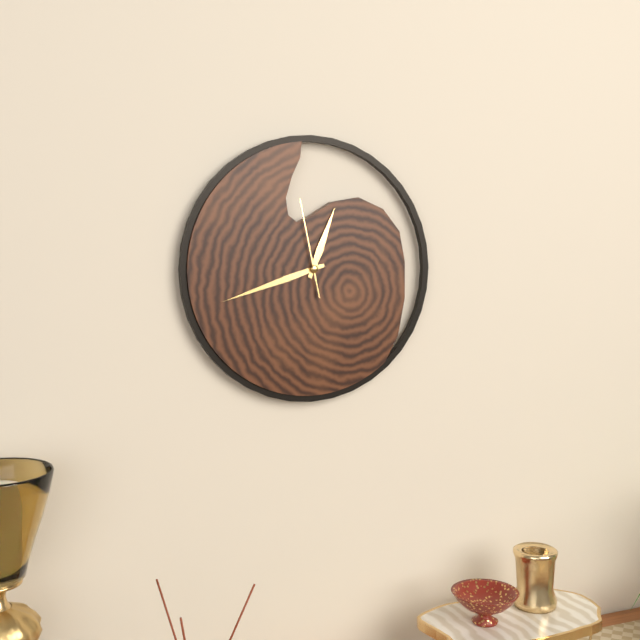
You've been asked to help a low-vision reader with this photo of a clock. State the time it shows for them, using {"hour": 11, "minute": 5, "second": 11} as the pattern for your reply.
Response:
{"hour": 12, "minute": 42, "second": 58}
